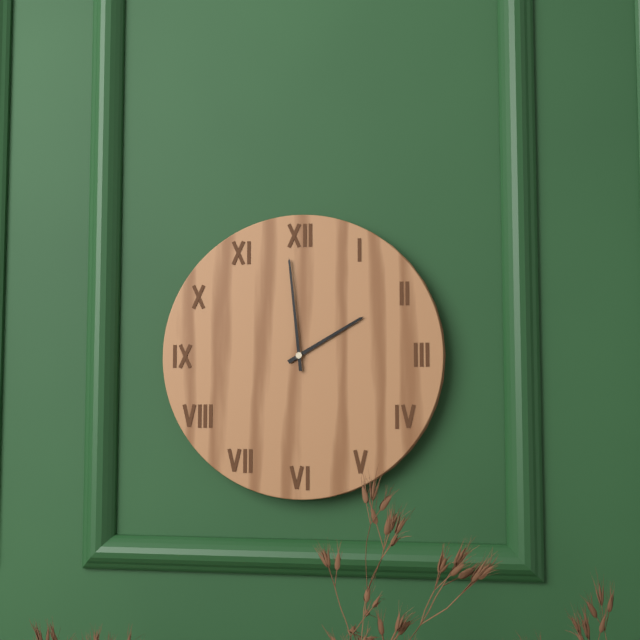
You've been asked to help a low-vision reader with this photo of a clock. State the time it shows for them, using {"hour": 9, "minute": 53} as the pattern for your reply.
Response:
{"hour": 1, "minute": 59}
